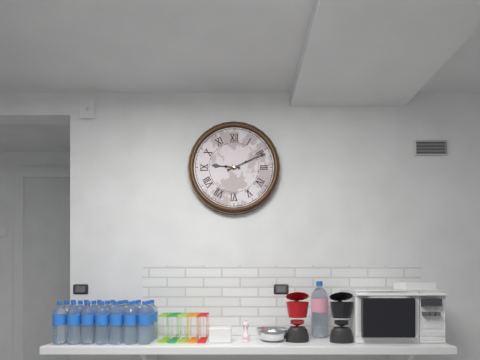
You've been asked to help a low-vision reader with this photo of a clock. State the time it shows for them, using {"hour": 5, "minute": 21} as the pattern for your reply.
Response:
{"hour": 9, "minute": 11}
